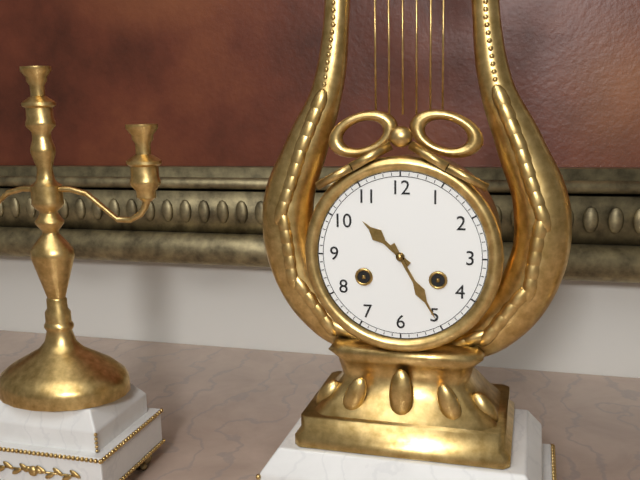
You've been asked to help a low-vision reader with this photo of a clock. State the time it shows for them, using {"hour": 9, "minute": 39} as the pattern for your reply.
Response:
{"hour": 10, "minute": 25}
